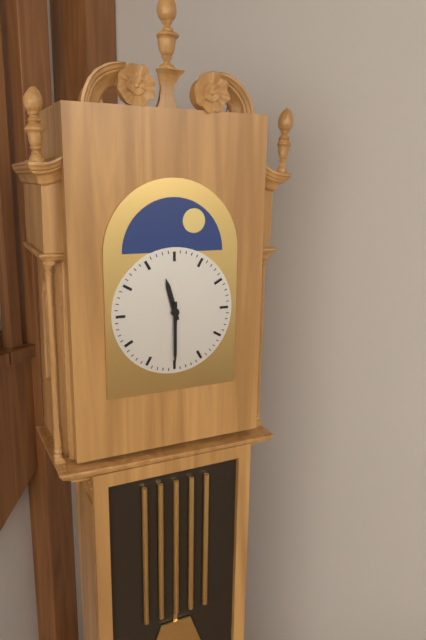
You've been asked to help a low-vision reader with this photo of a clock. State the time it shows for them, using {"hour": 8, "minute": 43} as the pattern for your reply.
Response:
{"hour": 11, "minute": 30}
